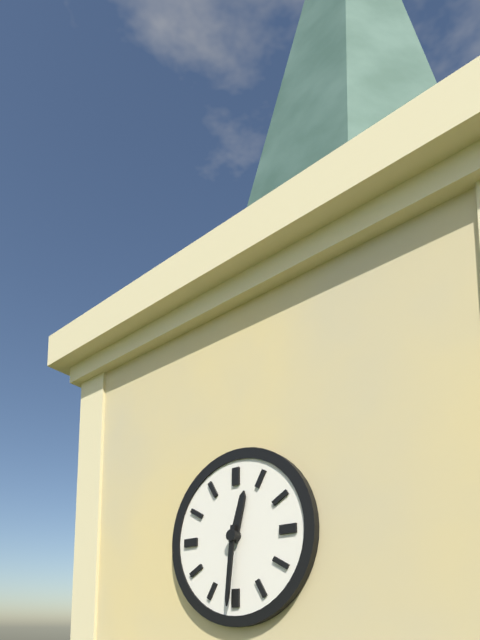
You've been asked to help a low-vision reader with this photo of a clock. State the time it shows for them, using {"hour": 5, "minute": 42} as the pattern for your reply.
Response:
{"hour": 12, "minute": 31}
